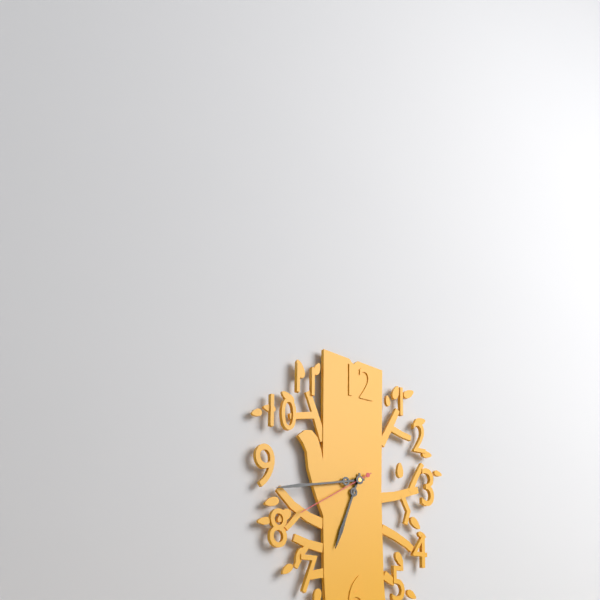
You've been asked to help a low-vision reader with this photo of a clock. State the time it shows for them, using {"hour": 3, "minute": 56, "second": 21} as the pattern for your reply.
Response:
{"hour": 6, "minute": 43, "second": 40}
